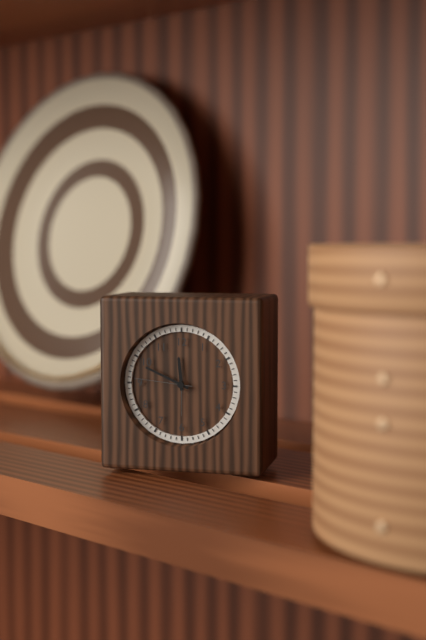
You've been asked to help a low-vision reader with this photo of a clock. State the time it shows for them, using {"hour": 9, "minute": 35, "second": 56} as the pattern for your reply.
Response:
{"hour": 11, "minute": 49, "second": 46}
